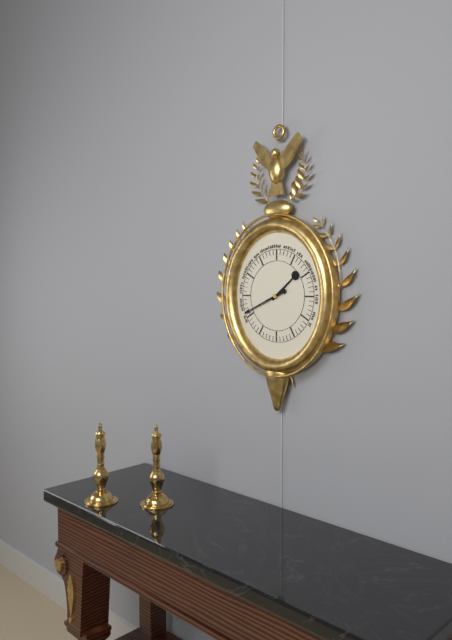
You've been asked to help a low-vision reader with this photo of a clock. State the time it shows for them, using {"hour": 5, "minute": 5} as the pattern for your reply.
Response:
{"hour": 1, "minute": 41}
